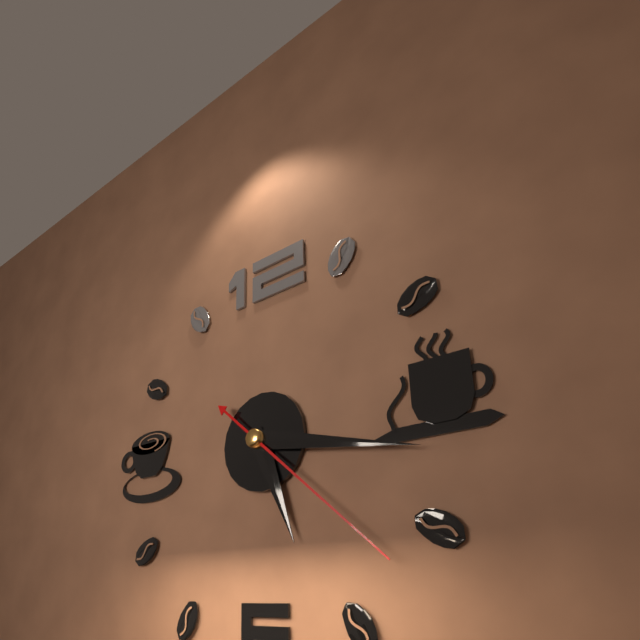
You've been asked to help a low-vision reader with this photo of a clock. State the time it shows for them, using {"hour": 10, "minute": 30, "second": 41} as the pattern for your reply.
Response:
{"hour": 5, "minute": 17, "second": 22}
